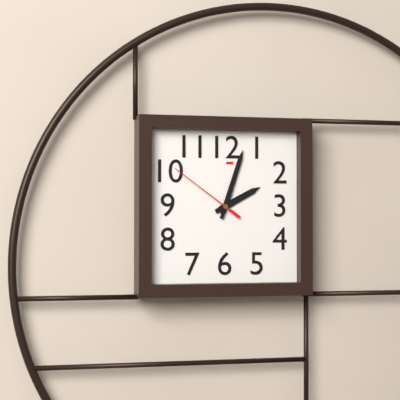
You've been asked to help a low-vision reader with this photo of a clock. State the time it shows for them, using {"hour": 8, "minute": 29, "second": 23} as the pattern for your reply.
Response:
{"hour": 2, "minute": 3, "second": 51}
